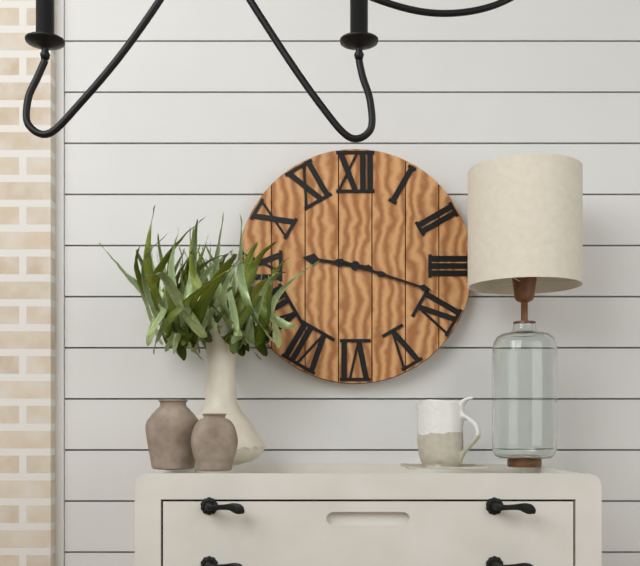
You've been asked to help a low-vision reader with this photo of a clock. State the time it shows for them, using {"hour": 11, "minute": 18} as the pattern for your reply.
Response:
{"hour": 9, "minute": 18}
